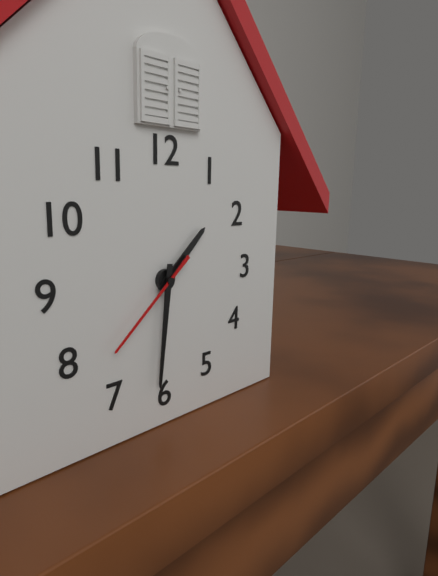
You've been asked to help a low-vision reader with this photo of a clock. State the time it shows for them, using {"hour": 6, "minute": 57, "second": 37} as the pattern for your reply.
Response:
{"hour": 1, "minute": 31, "second": 38}
